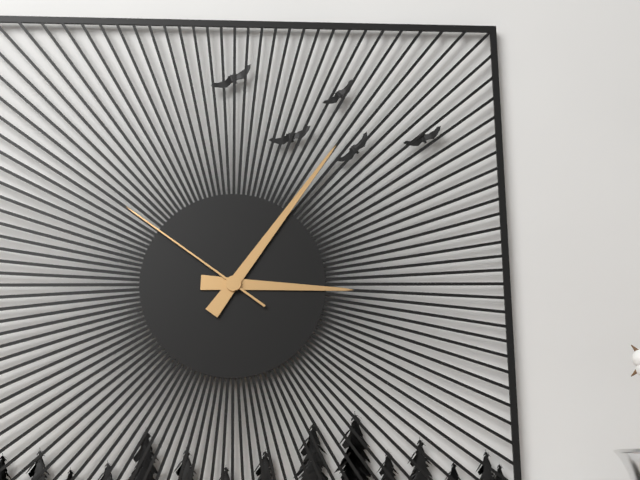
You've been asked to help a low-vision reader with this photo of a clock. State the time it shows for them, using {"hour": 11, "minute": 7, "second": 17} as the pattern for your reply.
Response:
{"hour": 3, "minute": 6, "second": 51}
